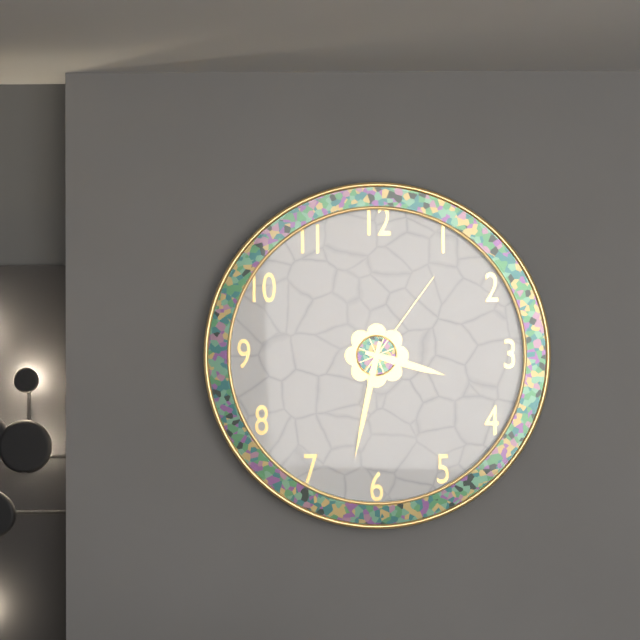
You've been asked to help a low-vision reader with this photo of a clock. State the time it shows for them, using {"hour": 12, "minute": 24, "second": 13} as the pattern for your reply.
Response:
{"hour": 3, "minute": 32, "second": 6}
